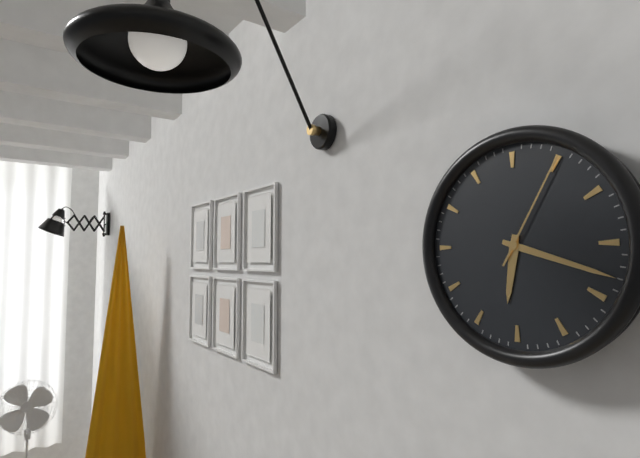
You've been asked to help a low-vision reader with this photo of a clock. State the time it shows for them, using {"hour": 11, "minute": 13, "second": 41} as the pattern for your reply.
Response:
{"hour": 6, "minute": 18, "second": 5}
